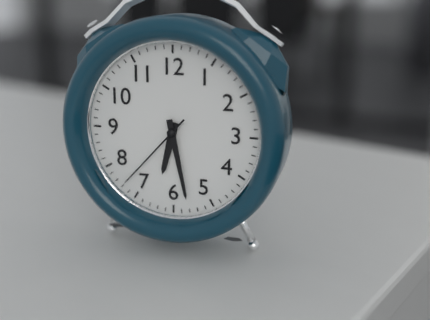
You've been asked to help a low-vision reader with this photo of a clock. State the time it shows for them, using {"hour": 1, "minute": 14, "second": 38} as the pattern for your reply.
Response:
{"hour": 6, "minute": 28, "second": 37}
